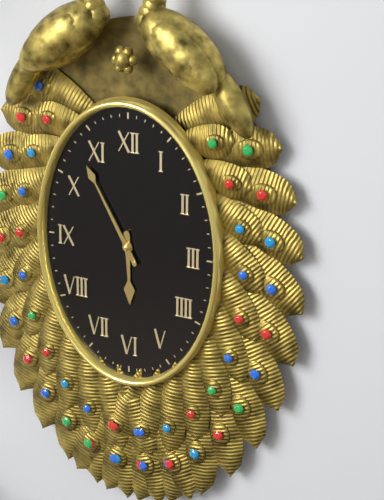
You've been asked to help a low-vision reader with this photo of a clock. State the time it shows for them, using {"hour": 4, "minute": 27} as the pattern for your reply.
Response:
{"hour": 5, "minute": 55}
